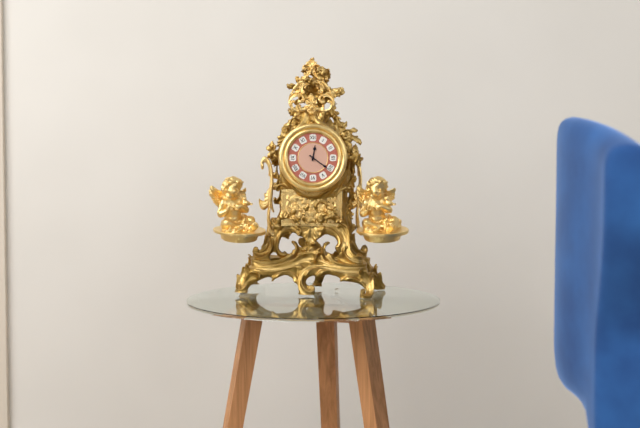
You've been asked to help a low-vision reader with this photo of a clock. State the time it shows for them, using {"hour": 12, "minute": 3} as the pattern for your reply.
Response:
{"hour": 12, "minute": 21}
